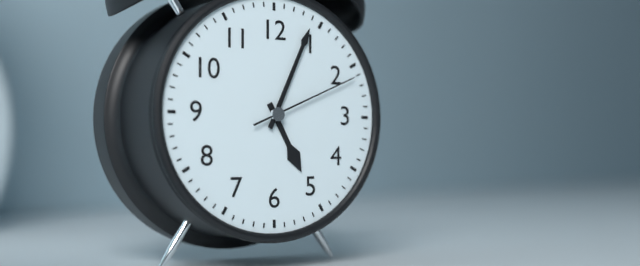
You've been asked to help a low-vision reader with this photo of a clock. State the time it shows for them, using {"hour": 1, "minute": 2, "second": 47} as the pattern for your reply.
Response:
{"hour": 5, "minute": 4, "second": 11}
